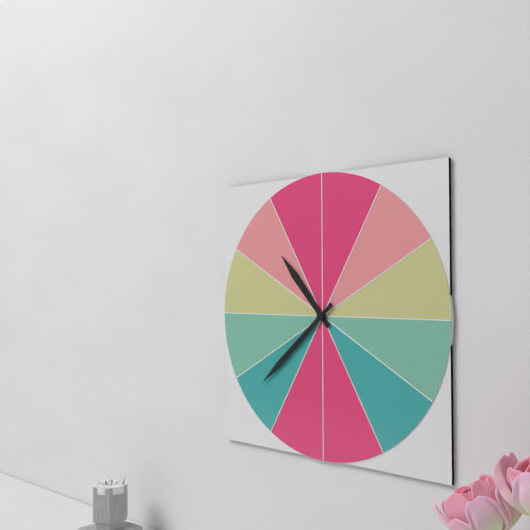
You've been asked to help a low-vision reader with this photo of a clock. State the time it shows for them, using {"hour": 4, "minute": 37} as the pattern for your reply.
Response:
{"hour": 10, "minute": 38}
